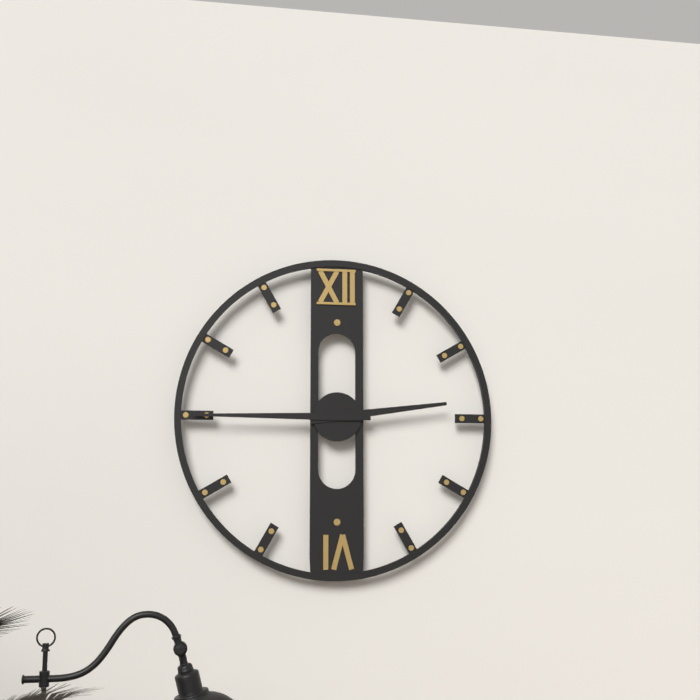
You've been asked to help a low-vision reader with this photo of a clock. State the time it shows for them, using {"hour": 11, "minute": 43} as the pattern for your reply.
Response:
{"hour": 2, "minute": 45}
